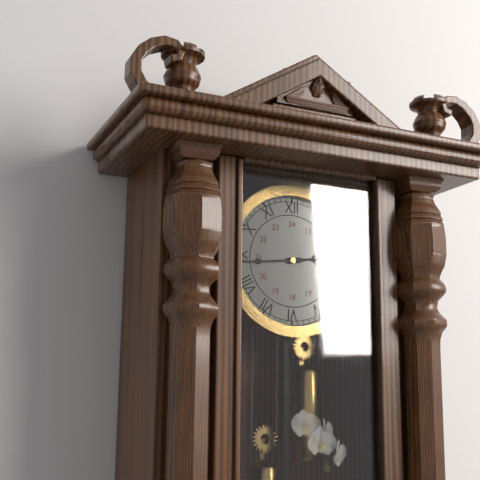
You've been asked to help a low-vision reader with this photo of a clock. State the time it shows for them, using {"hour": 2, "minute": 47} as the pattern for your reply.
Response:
{"hour": 2, "minute": 44}
